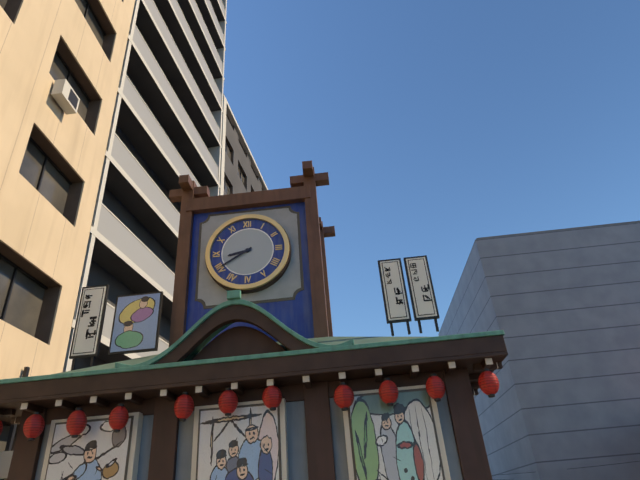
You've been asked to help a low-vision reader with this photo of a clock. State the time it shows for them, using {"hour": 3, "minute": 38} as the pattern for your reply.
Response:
{"hour": 8, "minute": 40}
